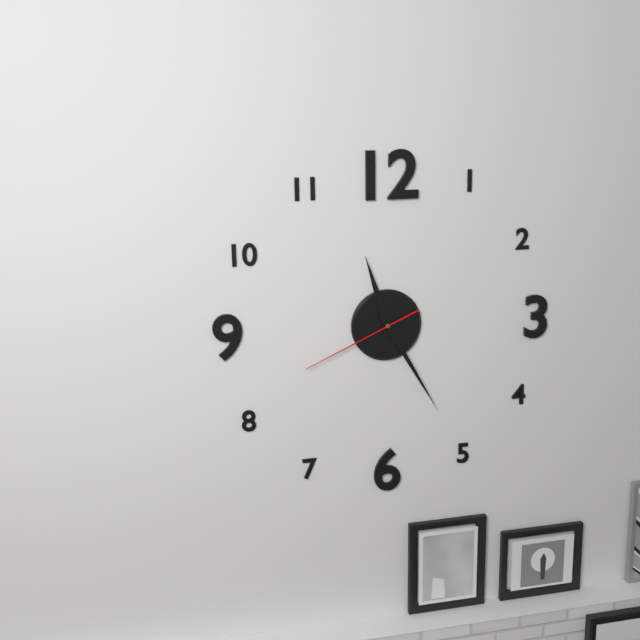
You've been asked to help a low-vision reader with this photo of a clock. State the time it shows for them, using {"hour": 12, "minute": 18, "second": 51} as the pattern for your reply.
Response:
{"hour": 11, "minute": 25, "second": 41}
